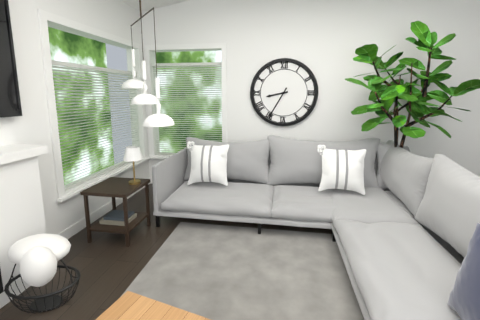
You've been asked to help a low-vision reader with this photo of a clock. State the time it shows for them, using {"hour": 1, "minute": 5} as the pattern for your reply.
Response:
{"hour": 8, "minute": 35}
